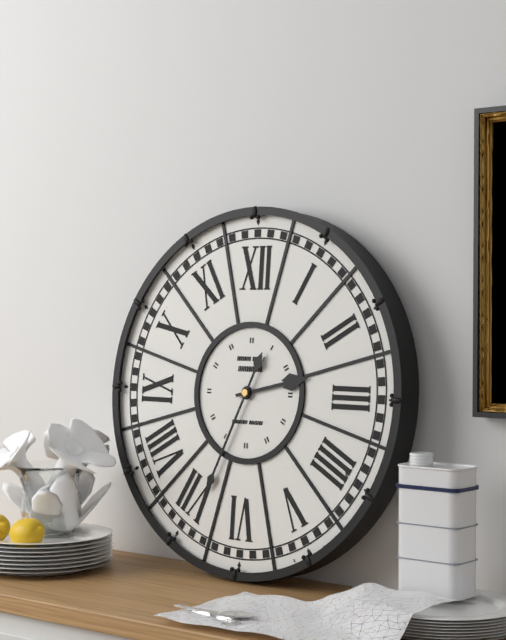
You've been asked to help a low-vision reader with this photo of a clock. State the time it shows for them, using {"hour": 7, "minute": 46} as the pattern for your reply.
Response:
{"hour": 2, "minute": 34}
